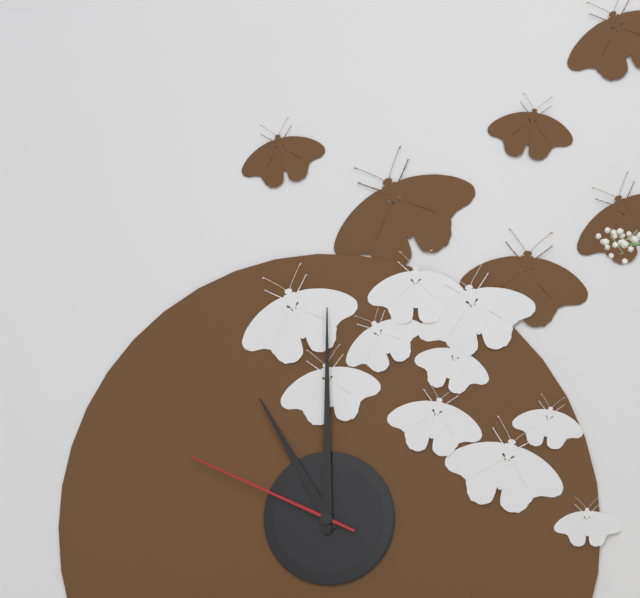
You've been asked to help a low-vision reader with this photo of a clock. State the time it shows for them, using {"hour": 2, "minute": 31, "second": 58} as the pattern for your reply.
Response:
{"hour": 11, "minute": 0, "second": 49}
